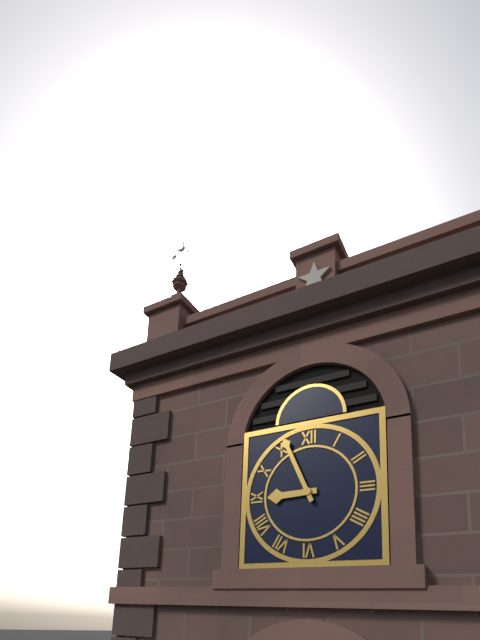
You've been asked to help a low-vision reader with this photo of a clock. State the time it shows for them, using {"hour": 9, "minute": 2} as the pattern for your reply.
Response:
{"hour": 8, "minute": 56}
